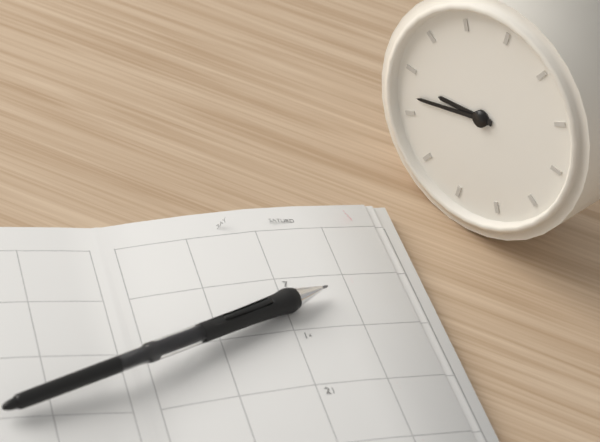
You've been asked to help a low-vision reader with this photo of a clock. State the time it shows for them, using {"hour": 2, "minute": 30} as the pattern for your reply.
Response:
{"hour": 8, "minute": 42}
